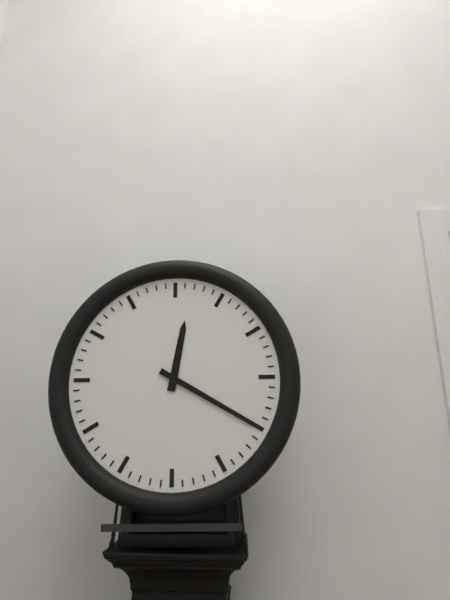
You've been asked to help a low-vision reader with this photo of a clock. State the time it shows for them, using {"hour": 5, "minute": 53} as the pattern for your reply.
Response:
{"hour": 12, "minute": 20}
